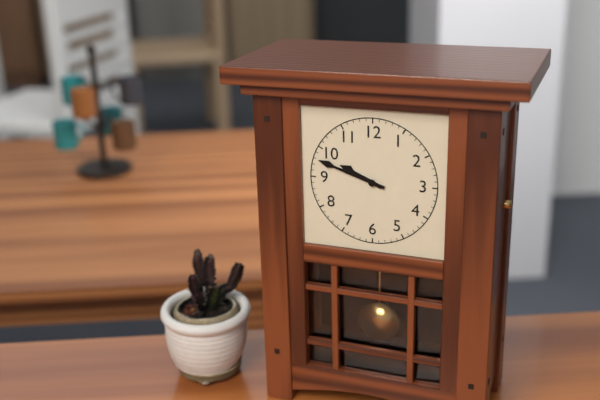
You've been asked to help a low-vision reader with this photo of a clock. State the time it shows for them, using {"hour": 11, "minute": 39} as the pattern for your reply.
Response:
{"hour": 9, "minute": 48}
